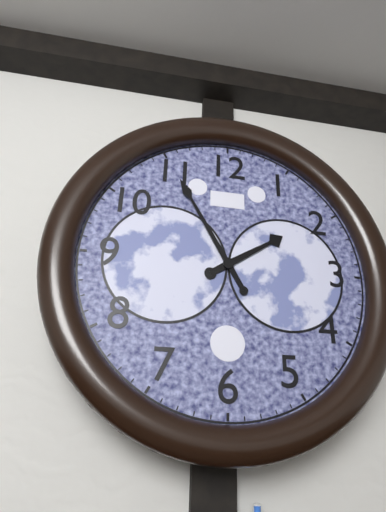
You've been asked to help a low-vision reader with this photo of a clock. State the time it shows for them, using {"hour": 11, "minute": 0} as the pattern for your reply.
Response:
{"hour": 1, "minute": 55}
